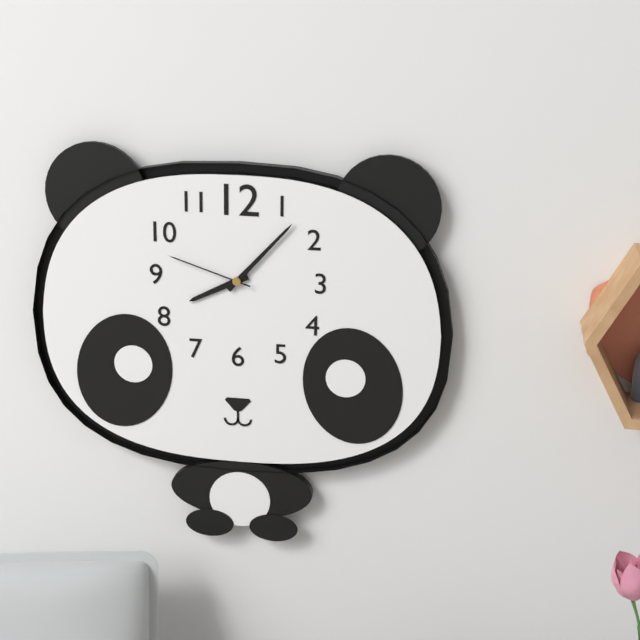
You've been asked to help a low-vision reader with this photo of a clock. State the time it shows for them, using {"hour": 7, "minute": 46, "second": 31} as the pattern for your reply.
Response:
{"hour": 8, "minute": 7, "second": 48}
